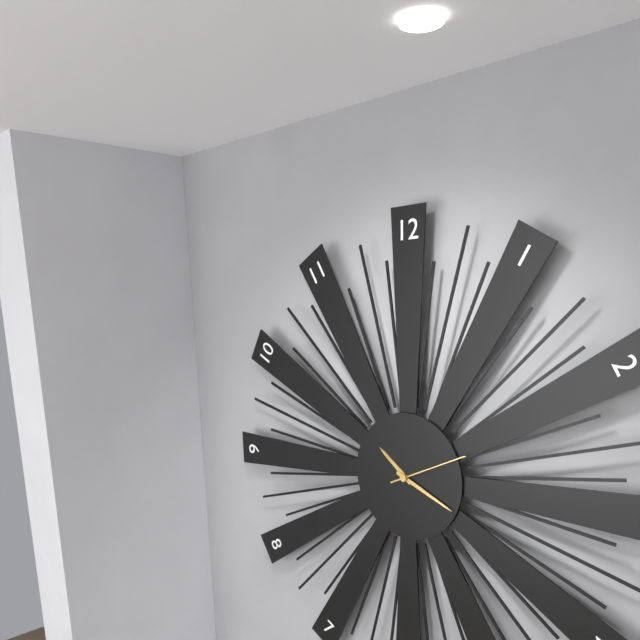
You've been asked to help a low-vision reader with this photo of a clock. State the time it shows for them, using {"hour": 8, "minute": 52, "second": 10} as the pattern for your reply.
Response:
{"hour": 10, "minute": 19, "second": 11}
